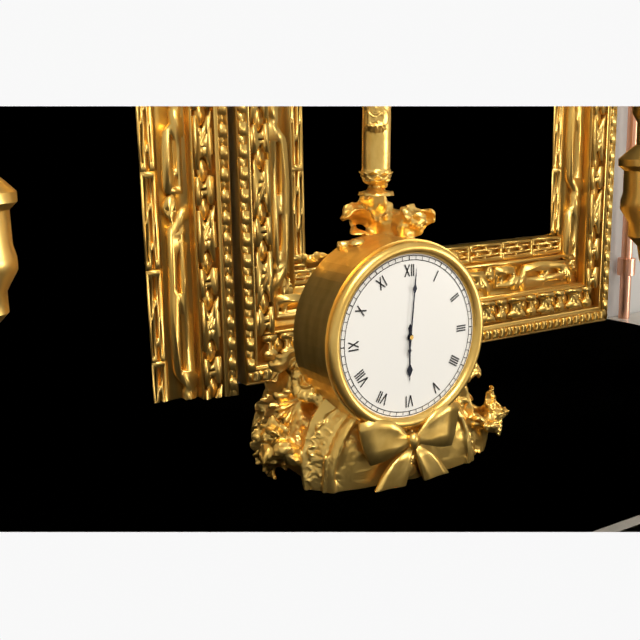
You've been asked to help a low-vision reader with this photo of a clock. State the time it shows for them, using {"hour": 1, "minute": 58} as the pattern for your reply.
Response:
{"hour": 6, "minute": 1}
